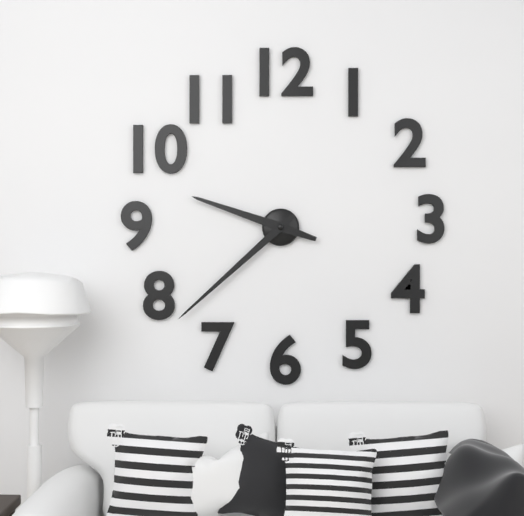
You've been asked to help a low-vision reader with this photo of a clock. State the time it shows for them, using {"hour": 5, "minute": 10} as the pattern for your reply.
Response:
{"hour": 9, "minute": 38}
